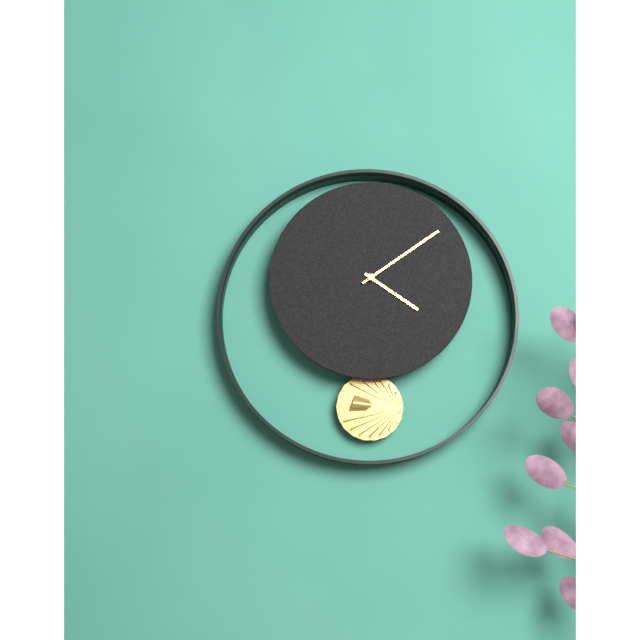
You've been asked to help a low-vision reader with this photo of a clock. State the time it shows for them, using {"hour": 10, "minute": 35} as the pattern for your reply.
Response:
{"hour": 4, "minute": 9}
